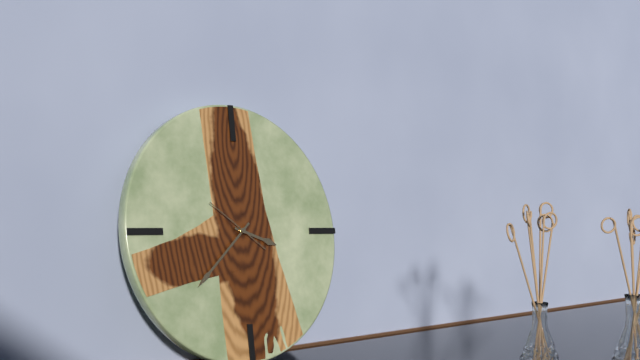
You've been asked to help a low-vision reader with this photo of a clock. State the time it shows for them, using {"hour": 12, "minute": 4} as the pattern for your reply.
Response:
{"hour": 3, "minute": 38}
